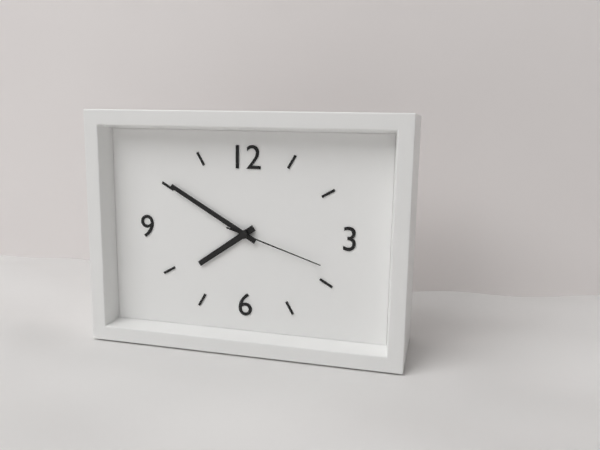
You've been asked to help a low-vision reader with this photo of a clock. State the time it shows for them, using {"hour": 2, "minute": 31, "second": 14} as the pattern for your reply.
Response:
{"hour": 7, "minute": 50, "second": 18}
